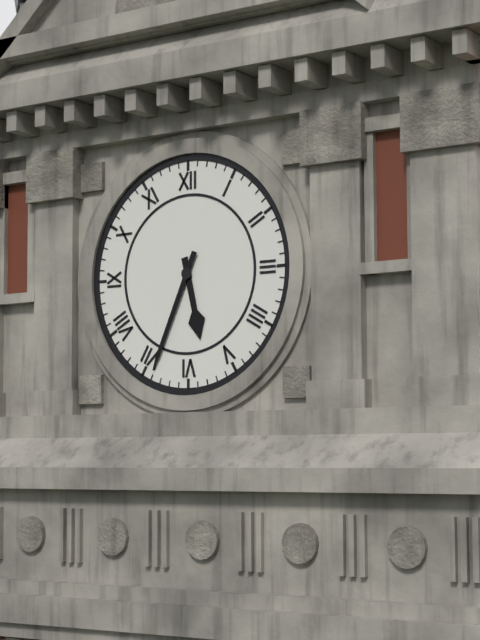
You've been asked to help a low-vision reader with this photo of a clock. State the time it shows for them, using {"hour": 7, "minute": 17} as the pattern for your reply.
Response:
{"hour": 5, "minute": 34}
